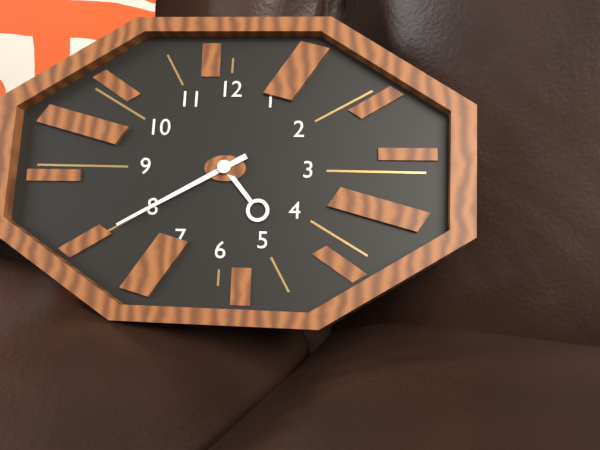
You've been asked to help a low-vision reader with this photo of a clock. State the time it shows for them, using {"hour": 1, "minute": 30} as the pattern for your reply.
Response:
{"hour": 4, "minute": 40}
